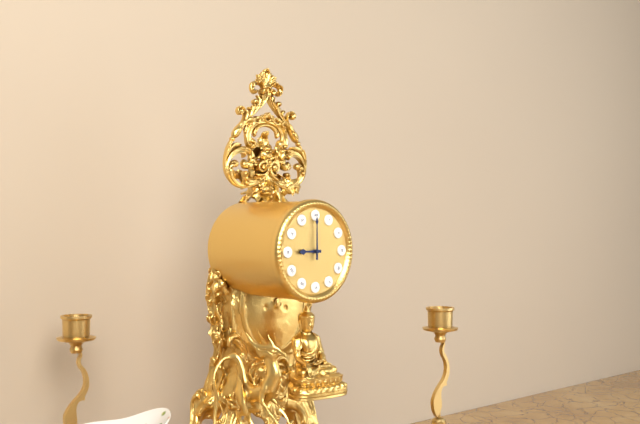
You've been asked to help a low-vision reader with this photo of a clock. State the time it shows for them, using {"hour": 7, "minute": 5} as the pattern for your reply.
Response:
{"hour": 9, "minute": 0}
